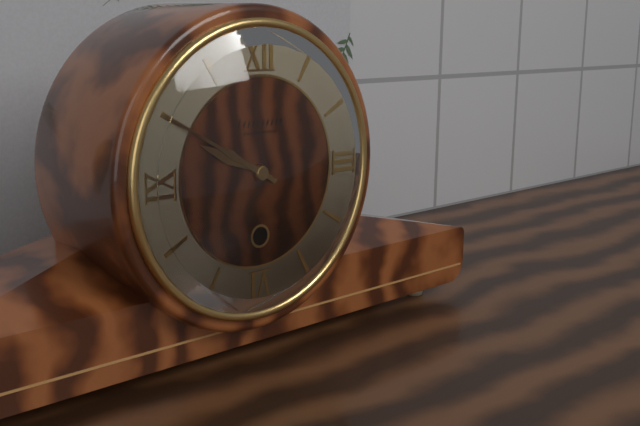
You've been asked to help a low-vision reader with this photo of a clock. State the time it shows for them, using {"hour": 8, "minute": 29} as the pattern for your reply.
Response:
{"hour": 9, "minute": 50}
